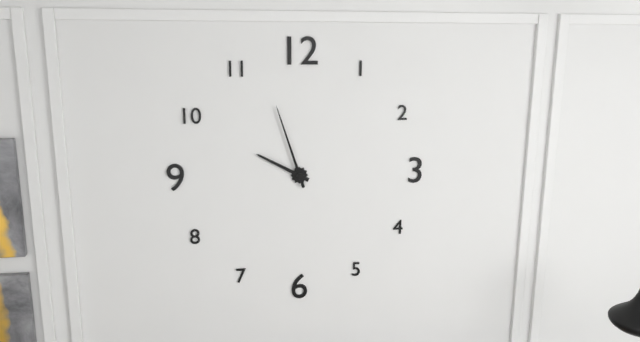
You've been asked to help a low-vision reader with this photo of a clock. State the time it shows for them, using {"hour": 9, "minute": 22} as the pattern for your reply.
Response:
{"hour": 9, "minute": 57}
